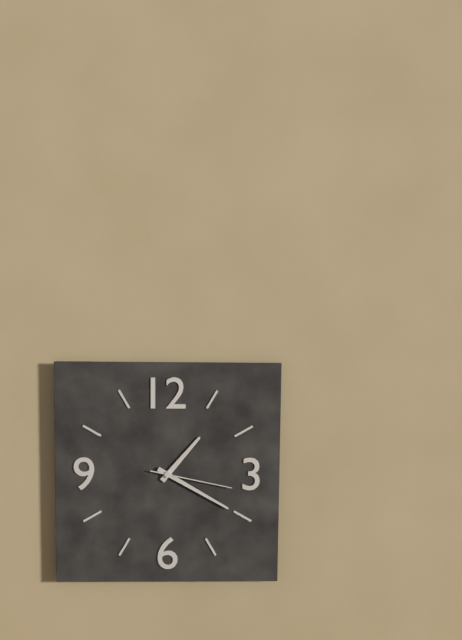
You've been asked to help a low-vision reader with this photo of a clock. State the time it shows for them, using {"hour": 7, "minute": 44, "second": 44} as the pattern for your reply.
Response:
{"hour": 1, "minute": 20, "second": 17}
